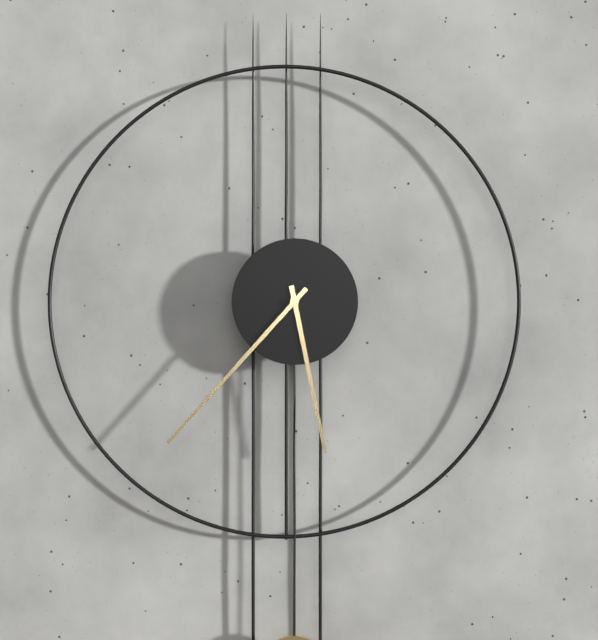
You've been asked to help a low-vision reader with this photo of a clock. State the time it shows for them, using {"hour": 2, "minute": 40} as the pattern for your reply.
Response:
{"hour": 5, "minute": 37}
